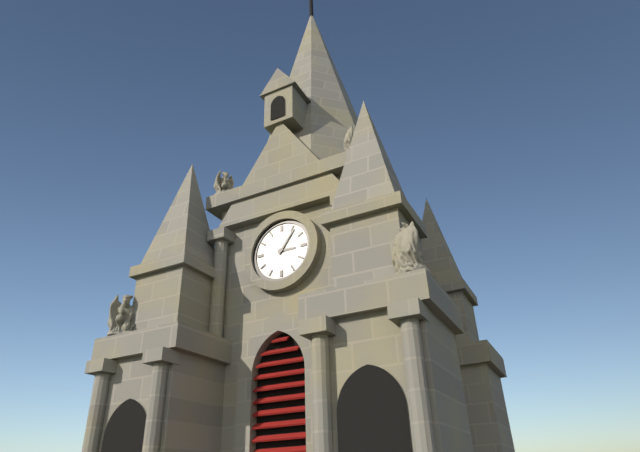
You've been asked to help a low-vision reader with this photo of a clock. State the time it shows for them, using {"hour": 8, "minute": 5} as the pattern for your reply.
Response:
{"hour": 3, "minute": 6}
